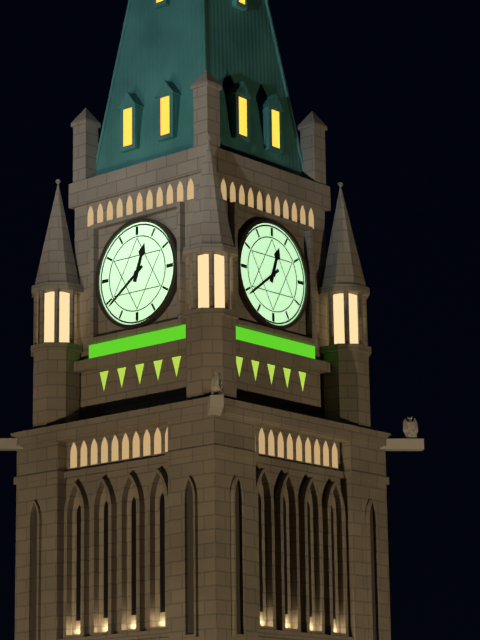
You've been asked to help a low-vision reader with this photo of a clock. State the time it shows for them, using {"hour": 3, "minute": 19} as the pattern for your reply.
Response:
{"hour": 12, "minute": 39}
